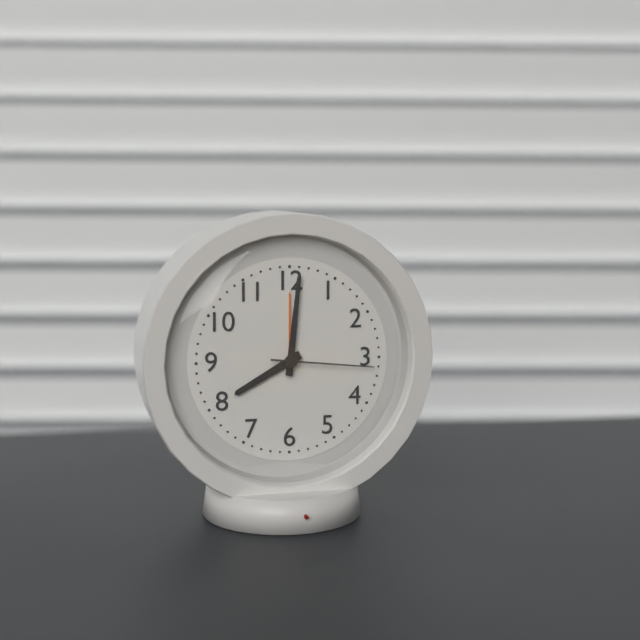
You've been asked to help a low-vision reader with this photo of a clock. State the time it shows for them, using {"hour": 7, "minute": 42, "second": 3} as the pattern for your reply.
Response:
{"hour": 8, "minute": 1, "second": 16}
